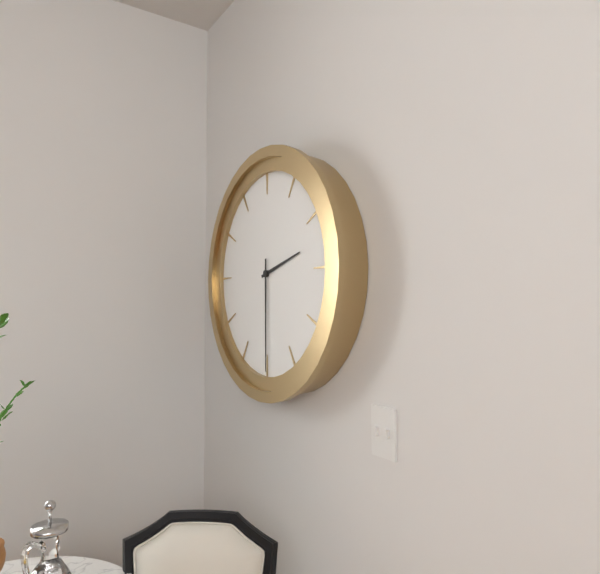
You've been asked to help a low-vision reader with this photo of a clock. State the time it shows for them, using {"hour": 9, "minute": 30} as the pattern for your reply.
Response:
{"hour": 2, "minute": 30}
